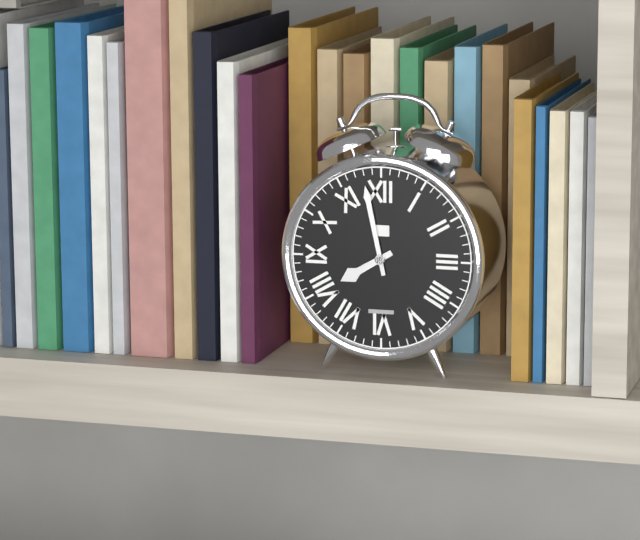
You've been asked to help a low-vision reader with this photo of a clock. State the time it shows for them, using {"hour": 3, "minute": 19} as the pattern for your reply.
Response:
{"hour": 7, "minute": 58}
